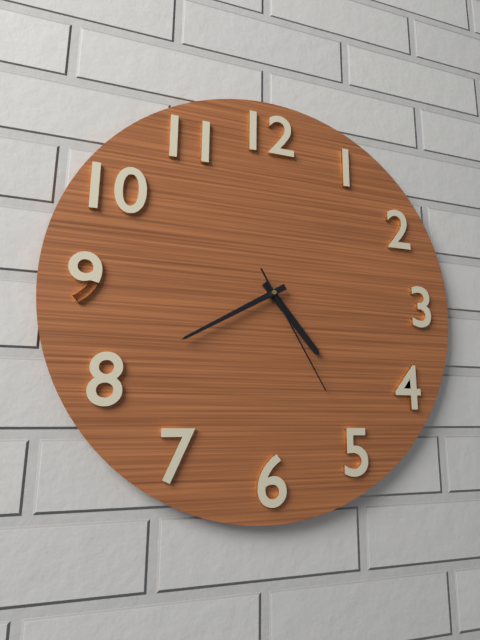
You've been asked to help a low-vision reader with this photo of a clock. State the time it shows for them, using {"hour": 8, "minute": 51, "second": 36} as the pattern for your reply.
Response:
{"hour": 4, "minute": 40, "second": 25}
